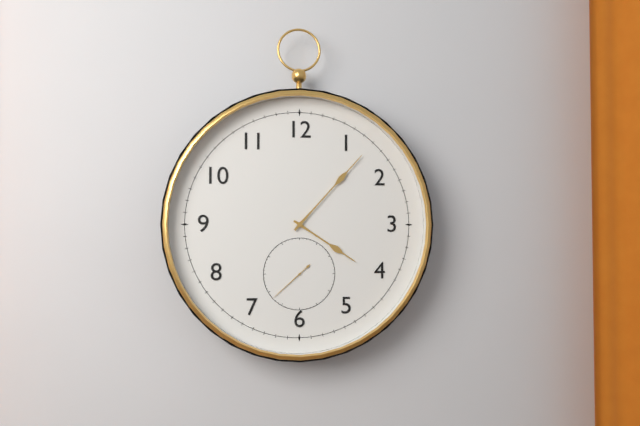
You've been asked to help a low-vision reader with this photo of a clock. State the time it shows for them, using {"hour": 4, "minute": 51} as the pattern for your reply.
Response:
{"hour": 4, "minute": 7}
